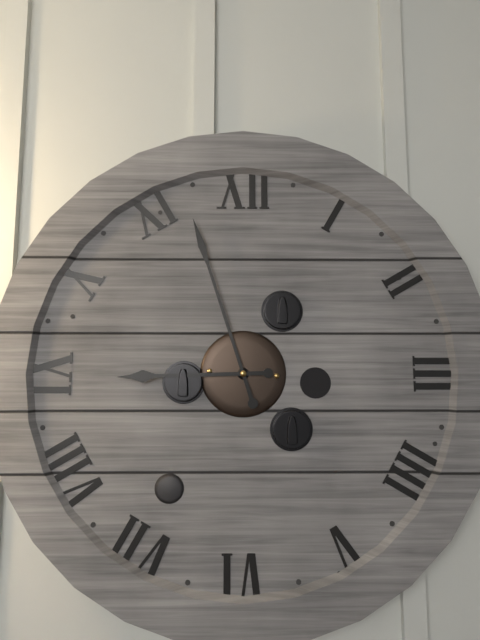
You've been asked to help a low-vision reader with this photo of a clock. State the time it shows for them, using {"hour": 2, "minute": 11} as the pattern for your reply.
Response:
{"hour": 8, "minute": 57}
